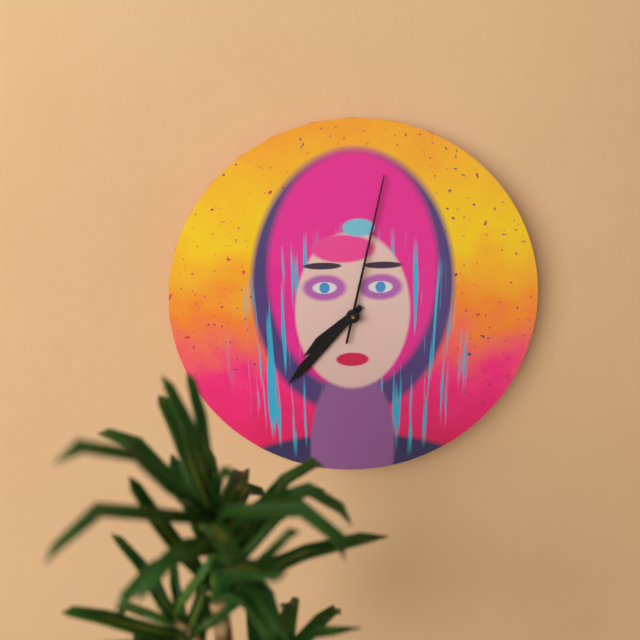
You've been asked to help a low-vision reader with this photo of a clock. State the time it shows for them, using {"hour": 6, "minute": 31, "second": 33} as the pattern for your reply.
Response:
{"hour": 7, "minute": 37, "second": 2}
